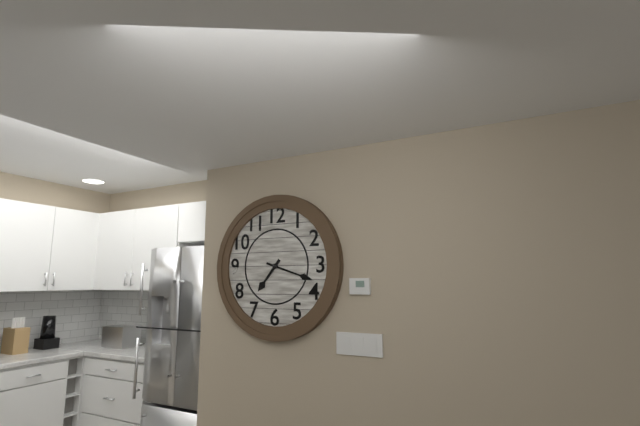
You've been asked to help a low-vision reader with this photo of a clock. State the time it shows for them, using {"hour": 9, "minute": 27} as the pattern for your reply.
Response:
{"hour": 7, "minute": 18}
